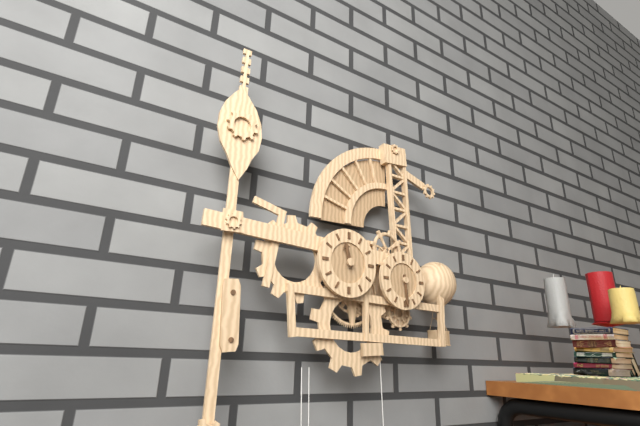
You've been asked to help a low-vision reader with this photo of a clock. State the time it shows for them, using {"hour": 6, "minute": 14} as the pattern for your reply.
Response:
{"hour": 11, "minute": 29}
